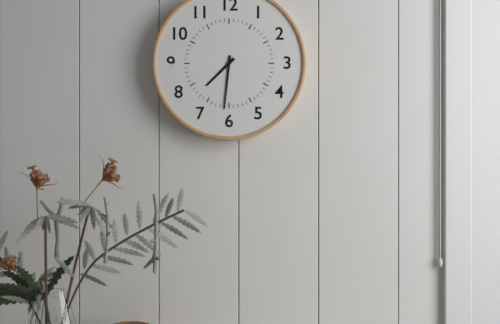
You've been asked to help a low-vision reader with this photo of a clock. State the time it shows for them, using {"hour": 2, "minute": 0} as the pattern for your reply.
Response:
{"hour": 7, "minute": 31}
